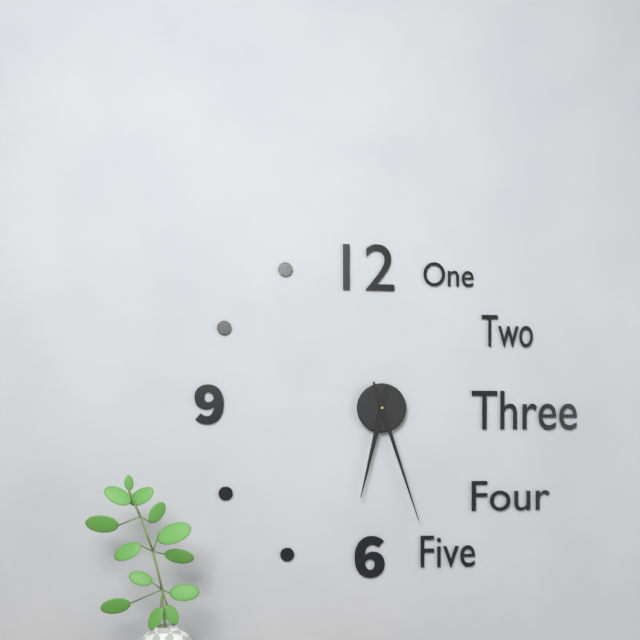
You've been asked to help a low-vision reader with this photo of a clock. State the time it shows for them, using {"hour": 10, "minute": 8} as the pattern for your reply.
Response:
{"hour": 6, "minute": 27}
